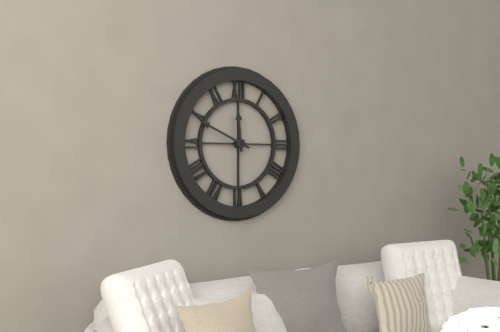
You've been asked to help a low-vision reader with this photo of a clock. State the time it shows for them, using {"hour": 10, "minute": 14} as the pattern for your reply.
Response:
{"hour": 11, "minute": 49}
